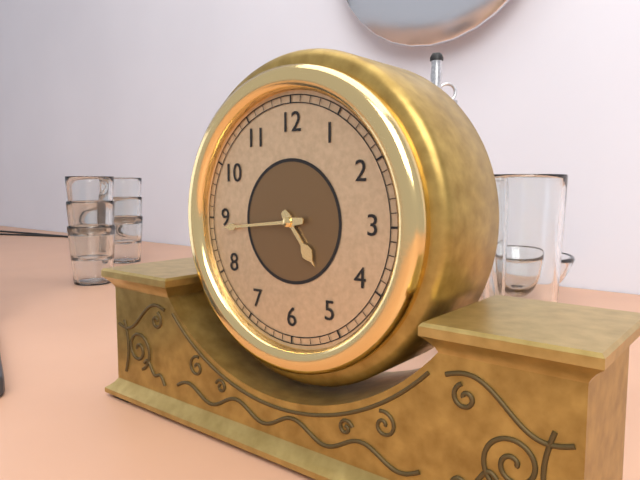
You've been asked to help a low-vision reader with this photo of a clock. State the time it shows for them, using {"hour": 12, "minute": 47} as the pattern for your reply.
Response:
{"hour": 4, "minute": 44}
